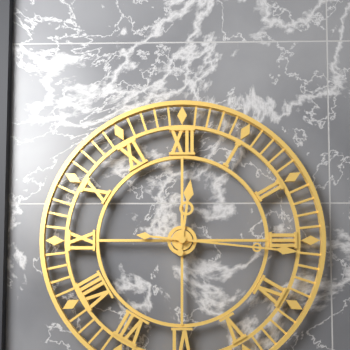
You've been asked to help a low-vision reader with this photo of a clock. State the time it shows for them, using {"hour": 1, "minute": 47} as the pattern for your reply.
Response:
{"hour": 12, "minute": 16}
